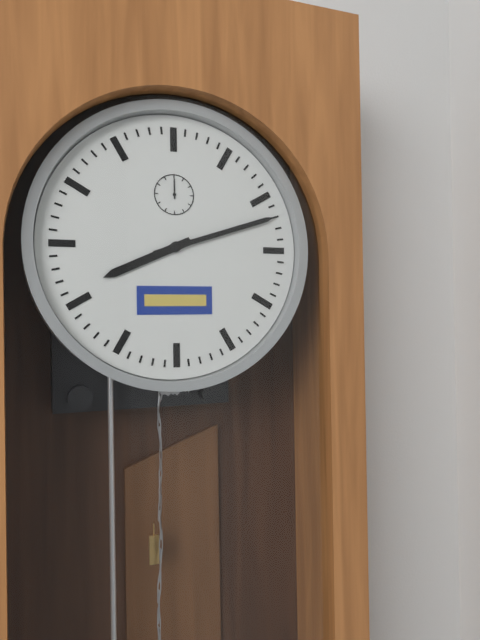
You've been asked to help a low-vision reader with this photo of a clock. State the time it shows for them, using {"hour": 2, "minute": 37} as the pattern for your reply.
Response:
{"hour": 8, "minute": 12}
